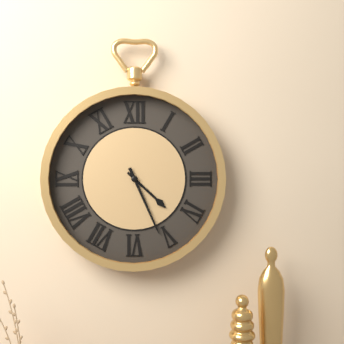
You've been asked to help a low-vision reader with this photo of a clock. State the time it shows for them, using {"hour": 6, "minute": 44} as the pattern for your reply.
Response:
{"hour": 4, "minute": 26}
